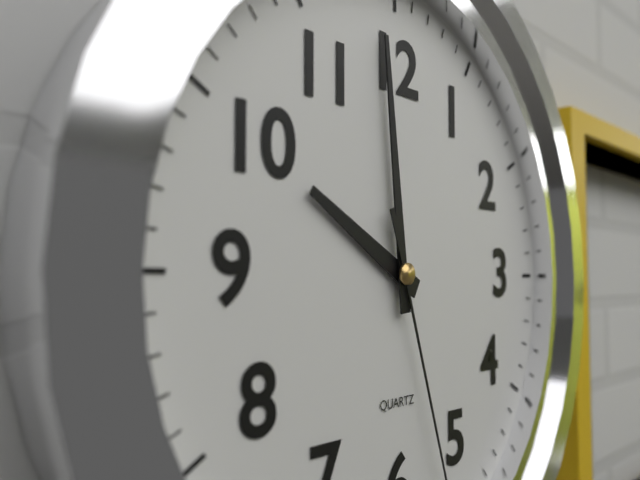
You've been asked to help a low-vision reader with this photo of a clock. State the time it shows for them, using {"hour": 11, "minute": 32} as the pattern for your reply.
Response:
{"hour": 9, "minute": 59}
